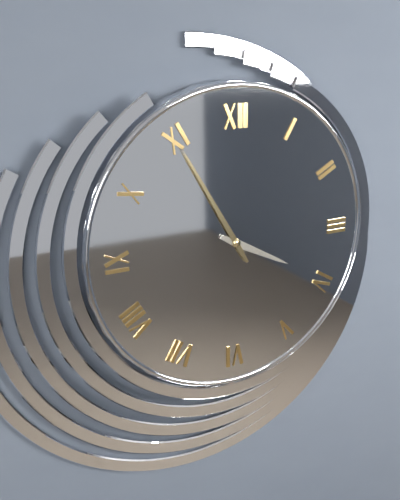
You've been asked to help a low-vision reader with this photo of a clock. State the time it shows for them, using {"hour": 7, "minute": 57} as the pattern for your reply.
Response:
{"hour": 3, "minute": 55}
